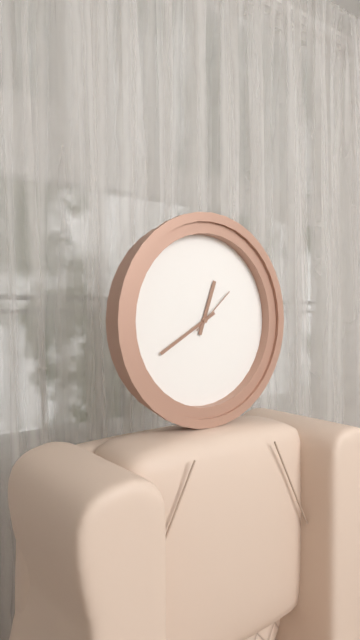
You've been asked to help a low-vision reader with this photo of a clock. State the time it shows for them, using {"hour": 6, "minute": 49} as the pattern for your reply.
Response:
{"hour": 12, "minute": 40}
